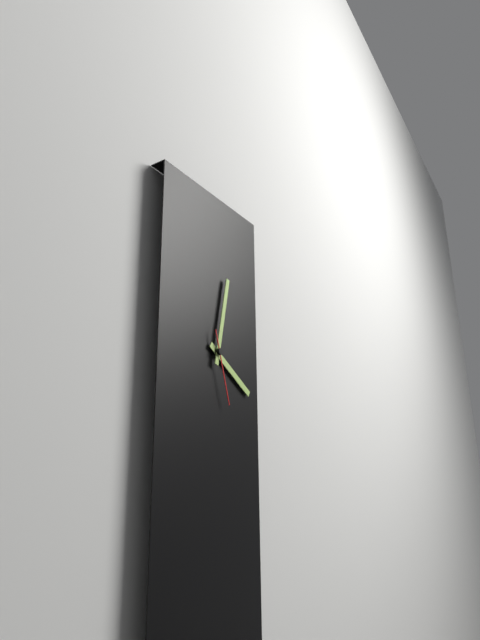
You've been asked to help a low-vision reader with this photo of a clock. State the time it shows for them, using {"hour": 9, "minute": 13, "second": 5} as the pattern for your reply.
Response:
{"hour": 4, "minute": 2, "second": 27}
